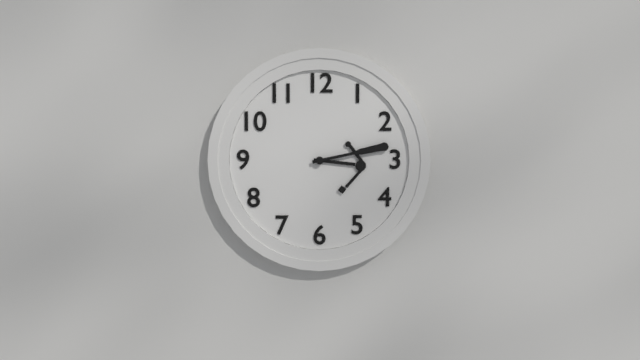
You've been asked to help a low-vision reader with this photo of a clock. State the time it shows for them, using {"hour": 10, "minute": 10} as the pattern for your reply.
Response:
{"hour": 3, "minute": 13}
